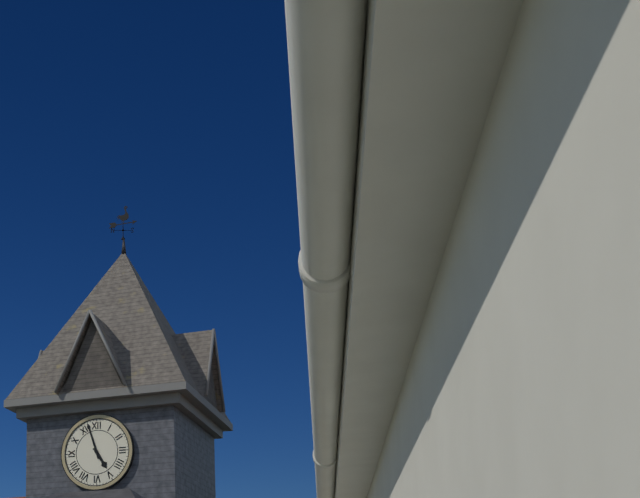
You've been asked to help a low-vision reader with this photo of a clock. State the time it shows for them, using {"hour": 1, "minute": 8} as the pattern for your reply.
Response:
{"hour": 4, "minute": 57}
